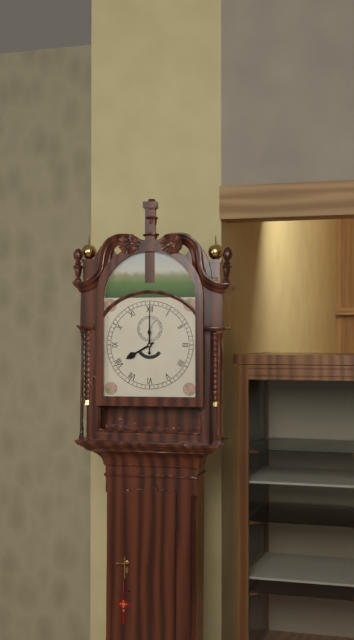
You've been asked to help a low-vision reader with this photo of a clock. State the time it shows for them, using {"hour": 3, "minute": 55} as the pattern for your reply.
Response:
{"hour": 8, "minute": 0}
